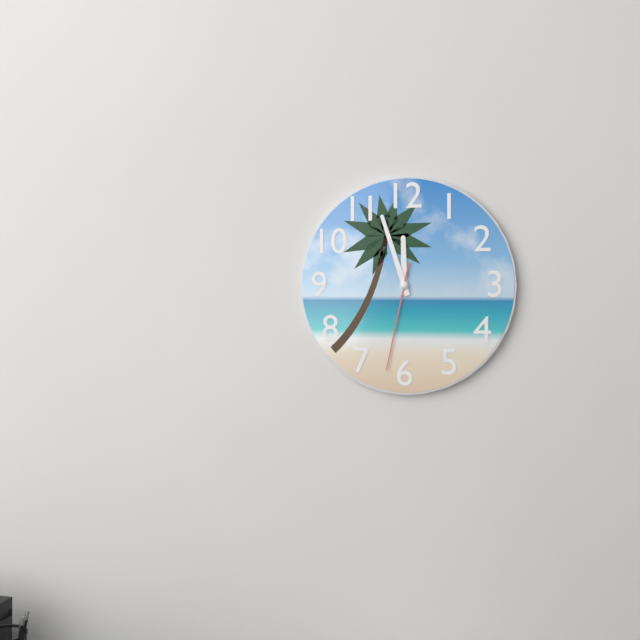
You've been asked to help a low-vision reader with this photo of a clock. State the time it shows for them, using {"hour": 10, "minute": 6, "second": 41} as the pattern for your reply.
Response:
{"hour": 11, "minute": 57, "second": 32}
